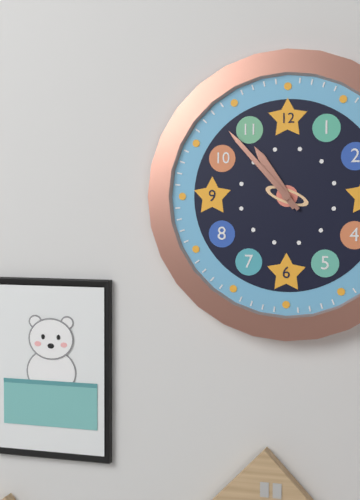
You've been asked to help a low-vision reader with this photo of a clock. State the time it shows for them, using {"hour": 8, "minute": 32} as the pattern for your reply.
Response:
{"hour": 10, "minute": 53}
